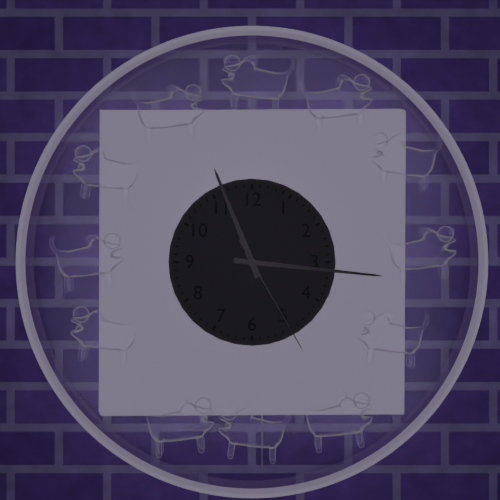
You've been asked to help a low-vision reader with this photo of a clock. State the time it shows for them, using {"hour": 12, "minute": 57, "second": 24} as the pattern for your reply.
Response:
{"hour": 11, "minute": 16, "second": 25}
